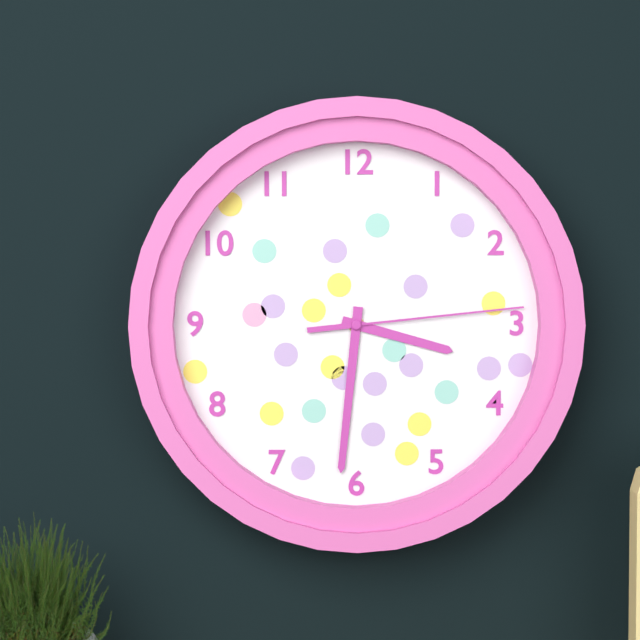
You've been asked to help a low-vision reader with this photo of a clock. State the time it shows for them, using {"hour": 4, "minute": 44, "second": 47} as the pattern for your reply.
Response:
{"hour": 3, "minute": 31, "second": 14}
